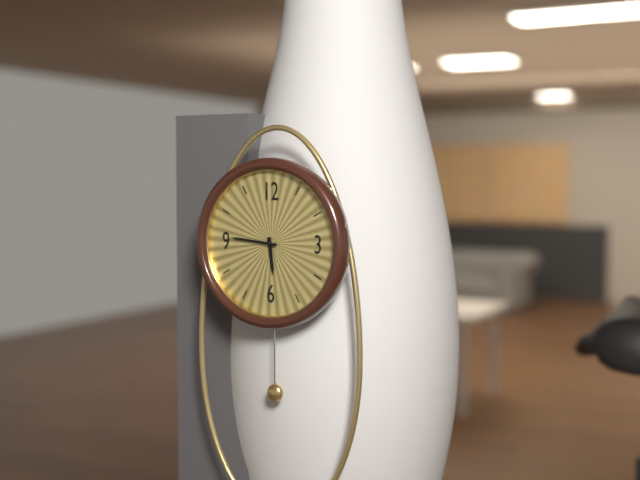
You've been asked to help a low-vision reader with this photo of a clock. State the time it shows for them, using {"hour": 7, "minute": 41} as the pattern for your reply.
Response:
{"hour": 5, "minute": 46}
